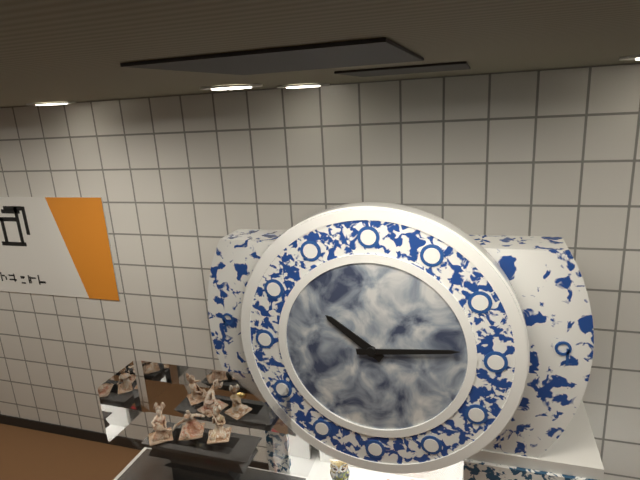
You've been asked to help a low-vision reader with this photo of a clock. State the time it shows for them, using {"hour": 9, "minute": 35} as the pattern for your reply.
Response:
{"hour": 10, "minute": 14}
